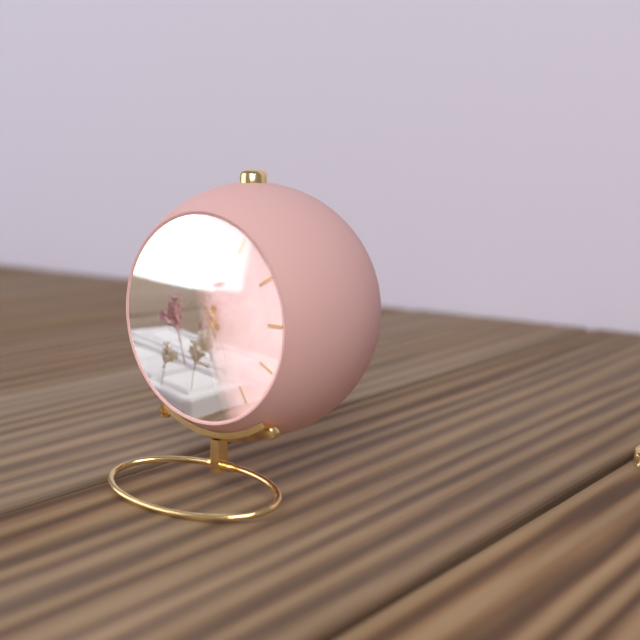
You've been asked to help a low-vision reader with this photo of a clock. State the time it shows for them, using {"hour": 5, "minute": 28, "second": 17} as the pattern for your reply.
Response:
{"hour": 6, "minute": 51, "second": 56}
